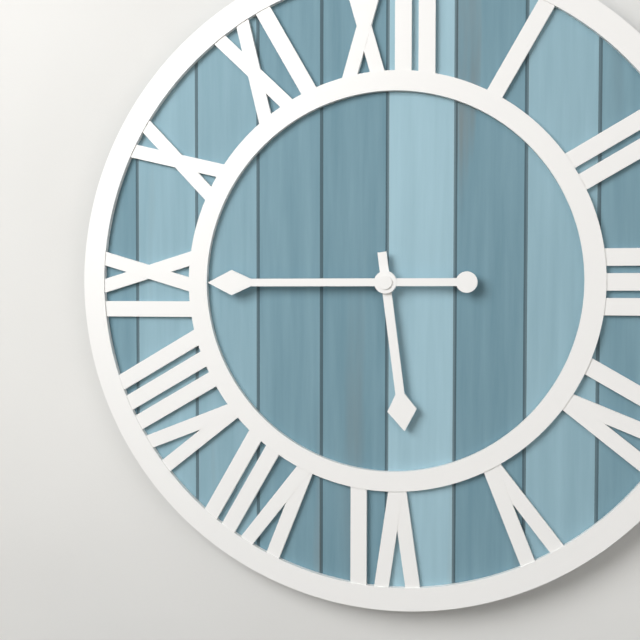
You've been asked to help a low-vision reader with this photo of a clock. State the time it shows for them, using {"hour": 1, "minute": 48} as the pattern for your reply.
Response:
{"hour": 5, "minute": 45}
